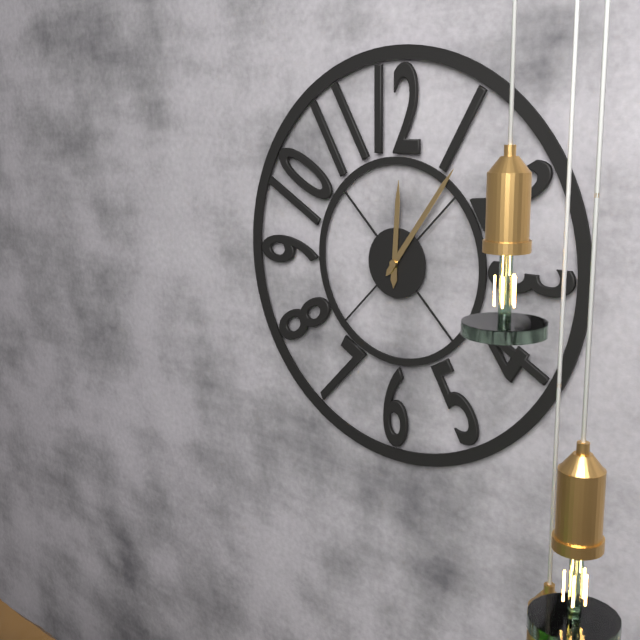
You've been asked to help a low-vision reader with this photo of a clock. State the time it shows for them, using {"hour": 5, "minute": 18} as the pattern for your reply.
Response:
{"hour": 12, "minute": 6}
